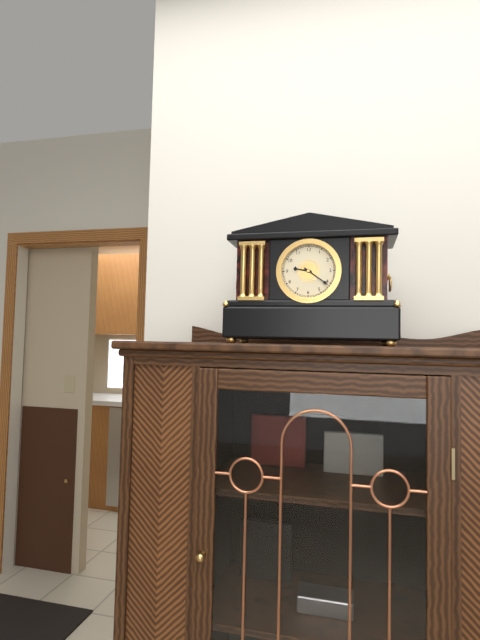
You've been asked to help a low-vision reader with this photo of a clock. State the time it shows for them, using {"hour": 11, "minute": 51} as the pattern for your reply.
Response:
{"hour": 9, "minute": 21}
